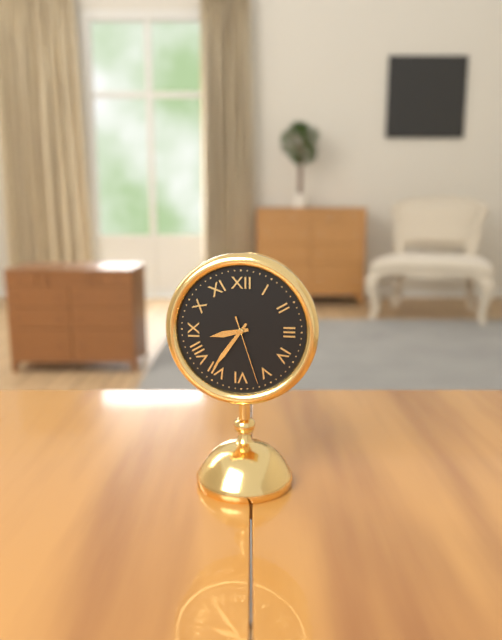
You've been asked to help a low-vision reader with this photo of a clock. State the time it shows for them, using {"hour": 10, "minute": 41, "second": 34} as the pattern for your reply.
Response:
{"hour": 8, "minute": 36, "second": 27}
